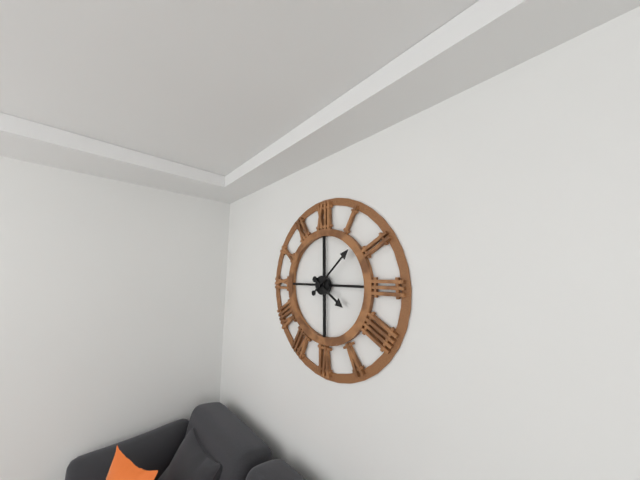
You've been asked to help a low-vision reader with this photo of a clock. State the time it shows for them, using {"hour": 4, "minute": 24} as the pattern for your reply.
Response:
{"hour": 4, "minute": 8}
